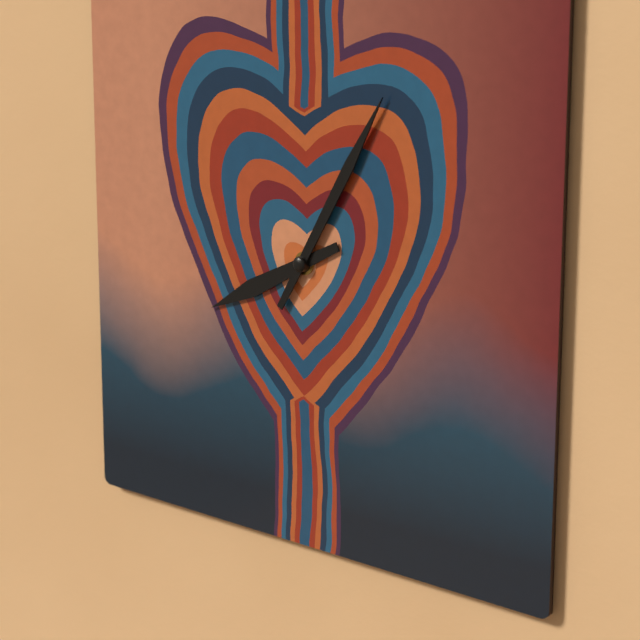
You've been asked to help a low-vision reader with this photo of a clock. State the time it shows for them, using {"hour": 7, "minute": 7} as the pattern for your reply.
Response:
{"hour": 8, "minute": 5}
